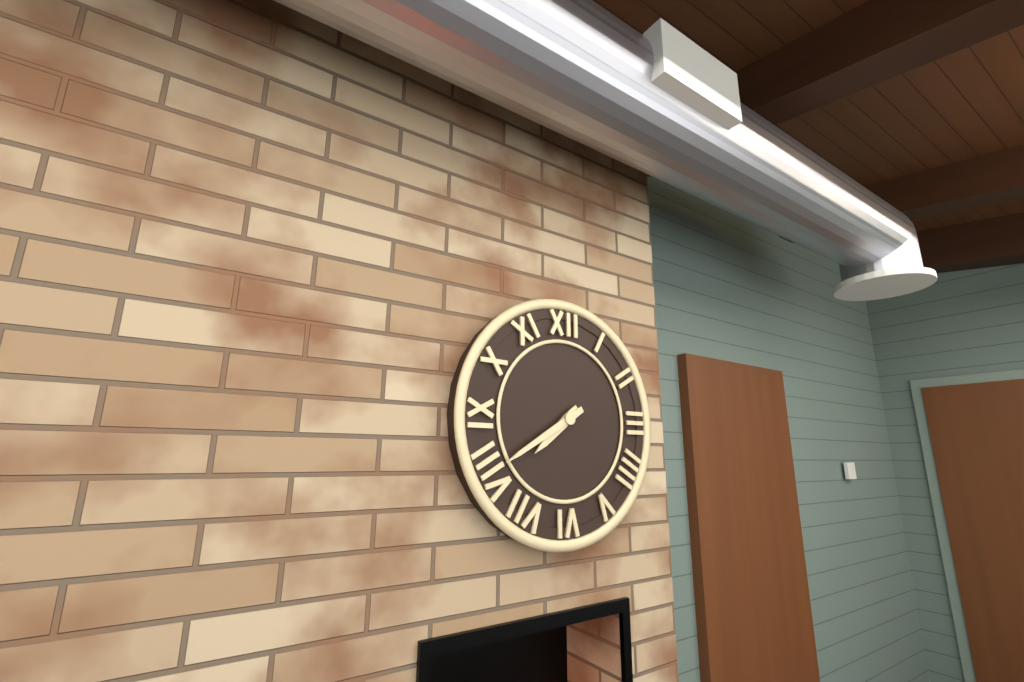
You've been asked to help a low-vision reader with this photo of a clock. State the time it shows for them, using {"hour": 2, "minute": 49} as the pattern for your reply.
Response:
{"hour": 7, "minute": 40}
